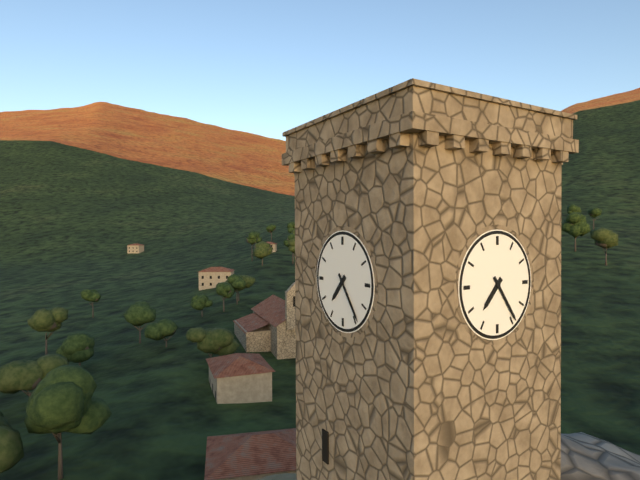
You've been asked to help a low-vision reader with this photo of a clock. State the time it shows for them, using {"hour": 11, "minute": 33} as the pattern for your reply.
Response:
{"hour": 7, "minute": 24}
